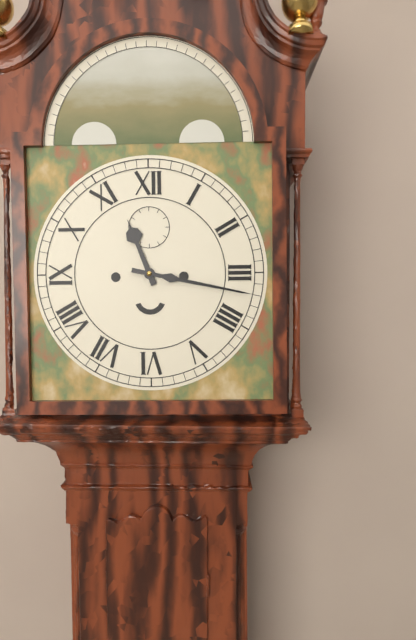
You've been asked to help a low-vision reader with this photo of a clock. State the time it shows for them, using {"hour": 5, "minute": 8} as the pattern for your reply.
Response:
{"hour": 11, "minute": 17}
